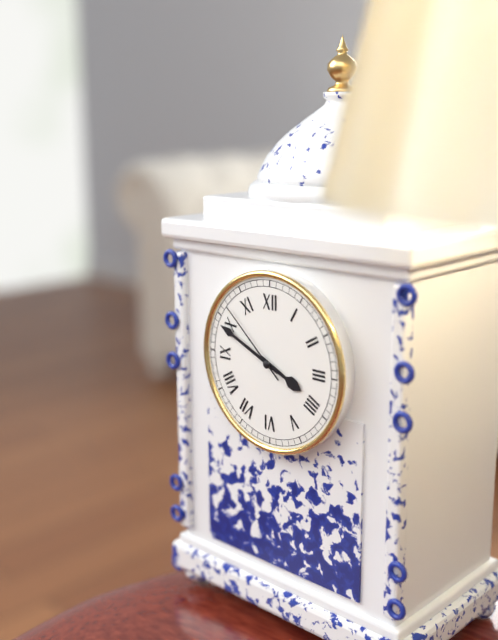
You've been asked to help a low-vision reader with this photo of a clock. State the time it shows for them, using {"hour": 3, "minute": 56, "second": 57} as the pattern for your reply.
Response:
{"hour": 3, "minute": 49, "second": 52}
